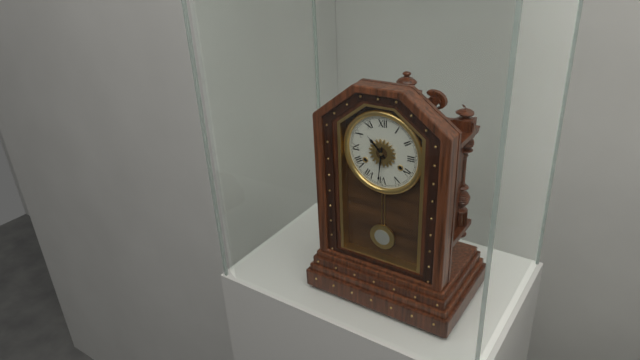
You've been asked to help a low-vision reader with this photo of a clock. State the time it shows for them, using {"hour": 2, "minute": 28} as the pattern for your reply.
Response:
{"hour": 10, "minute": 31}
